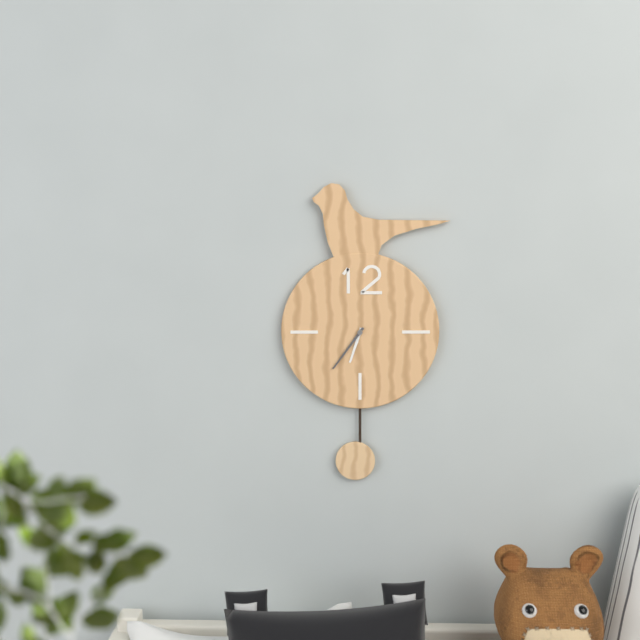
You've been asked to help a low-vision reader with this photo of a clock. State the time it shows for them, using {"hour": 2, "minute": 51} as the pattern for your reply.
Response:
{"hour": 6, "minute": 36}
